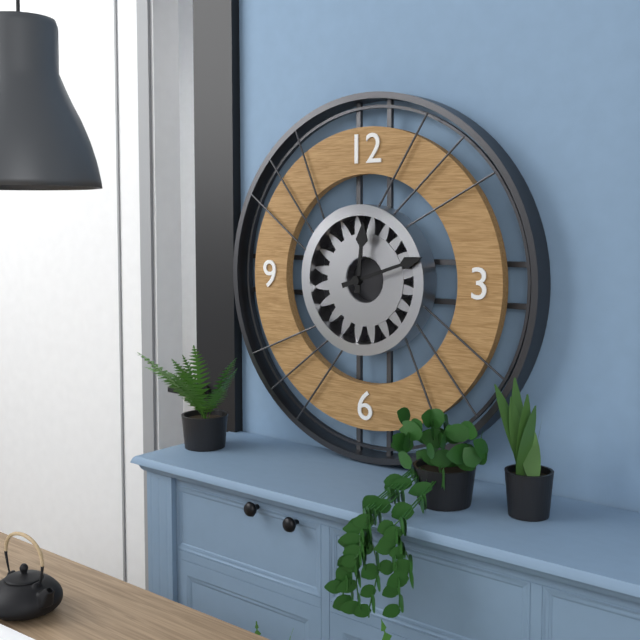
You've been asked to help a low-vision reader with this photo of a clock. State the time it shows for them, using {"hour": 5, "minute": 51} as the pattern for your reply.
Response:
{"hour": 12, "minute": 12}
